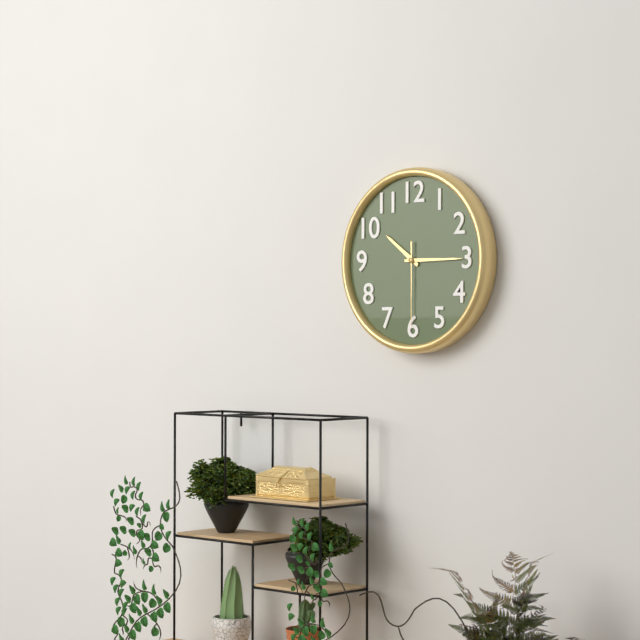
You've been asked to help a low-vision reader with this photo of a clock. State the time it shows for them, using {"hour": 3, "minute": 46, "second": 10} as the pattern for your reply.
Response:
{"hour": 10, "minute": 15, "second": 30}
